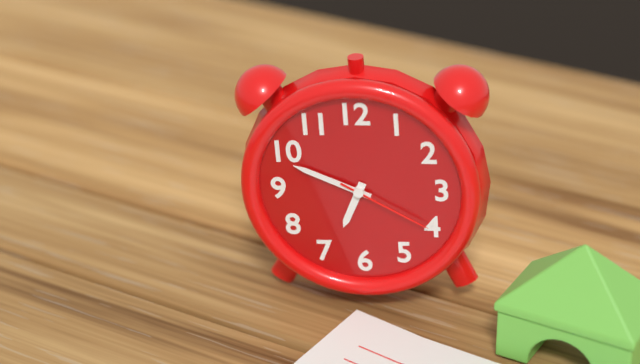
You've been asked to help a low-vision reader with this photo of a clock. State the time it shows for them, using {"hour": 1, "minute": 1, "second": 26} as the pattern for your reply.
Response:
{"hour": 6, "minute": 49, "second": 20}
